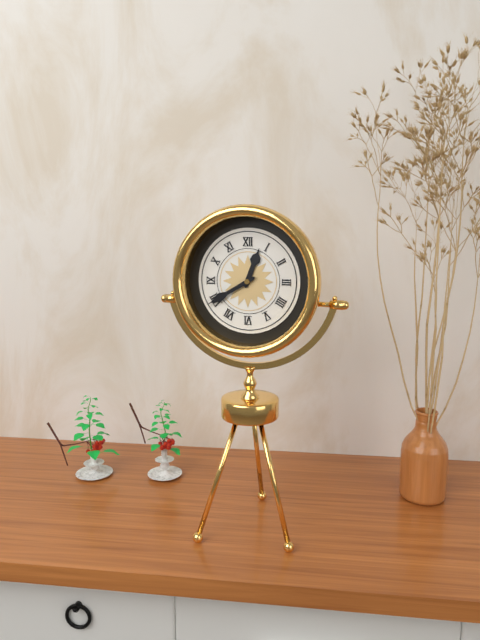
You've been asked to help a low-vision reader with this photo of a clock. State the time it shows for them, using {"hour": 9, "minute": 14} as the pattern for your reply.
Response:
{"hour": 12, "minute": 40}
